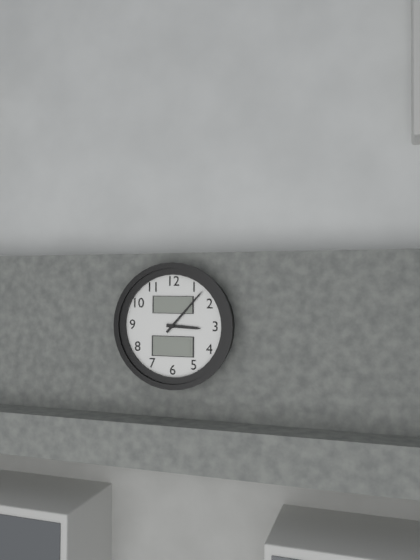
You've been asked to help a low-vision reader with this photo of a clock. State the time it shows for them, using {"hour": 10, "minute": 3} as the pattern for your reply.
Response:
{"hour": 3, "minute": 7}
